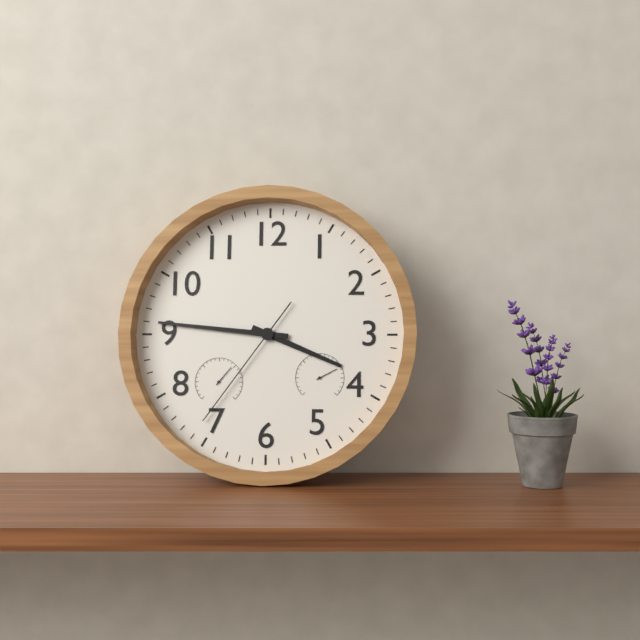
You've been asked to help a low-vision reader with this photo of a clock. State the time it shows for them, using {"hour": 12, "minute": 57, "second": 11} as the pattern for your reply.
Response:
{"hour": 3, "minute": 46, "second": 36}
